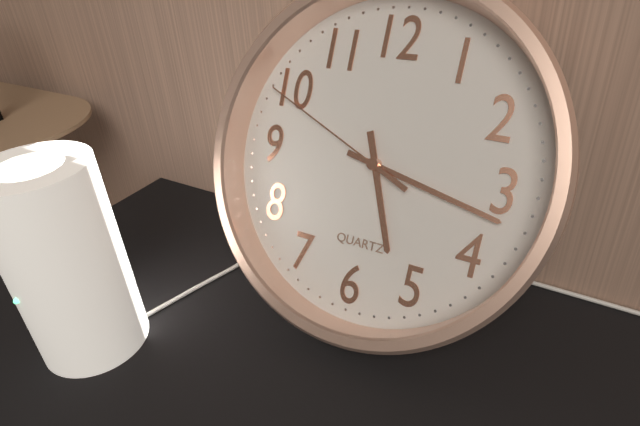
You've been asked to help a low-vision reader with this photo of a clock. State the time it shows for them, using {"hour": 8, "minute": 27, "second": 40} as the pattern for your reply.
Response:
{"hour": 5, "minute": 17, "second": 49}
